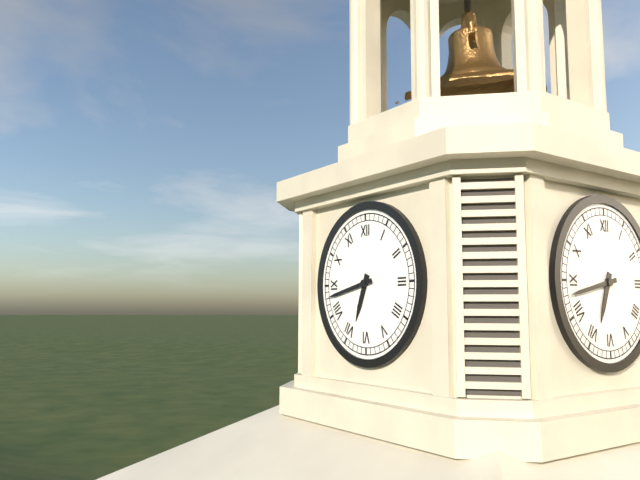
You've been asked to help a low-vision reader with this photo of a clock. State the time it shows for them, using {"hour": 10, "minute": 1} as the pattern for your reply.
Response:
{"hour": 6, "minute": 43}
